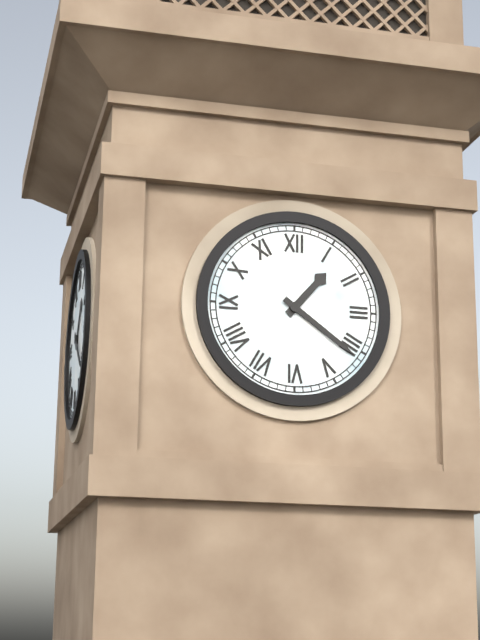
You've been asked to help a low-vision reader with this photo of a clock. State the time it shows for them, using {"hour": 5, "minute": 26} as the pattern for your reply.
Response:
{"hour": 1, "minute": 21}
